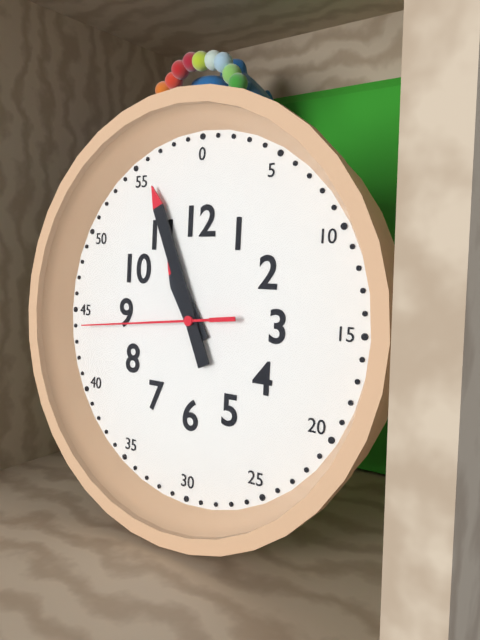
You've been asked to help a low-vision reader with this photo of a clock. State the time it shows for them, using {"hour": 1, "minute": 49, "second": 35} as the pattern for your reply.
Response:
{"hour": 10, "minute": 56, "second": 44}
